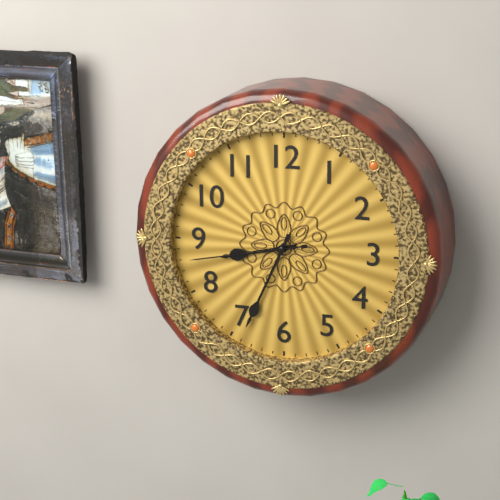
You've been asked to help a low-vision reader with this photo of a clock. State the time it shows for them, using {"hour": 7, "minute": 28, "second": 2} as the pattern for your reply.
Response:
{"hour": 8, "minute": 34, "second": 43}
